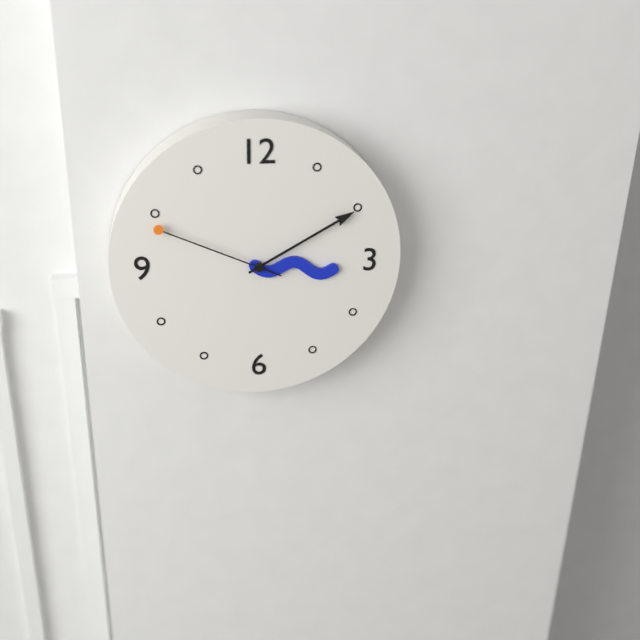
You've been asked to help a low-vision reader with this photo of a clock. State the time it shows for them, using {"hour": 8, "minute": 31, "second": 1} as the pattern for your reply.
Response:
{"hour": 3, "minute": 10, "second": 49}
